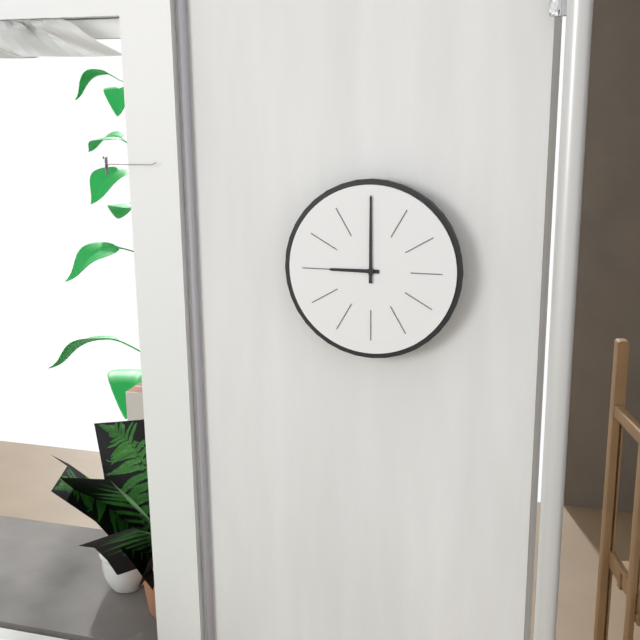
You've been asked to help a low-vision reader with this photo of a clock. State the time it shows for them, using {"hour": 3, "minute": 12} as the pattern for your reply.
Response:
{"hour": 9, "minute": 0}
